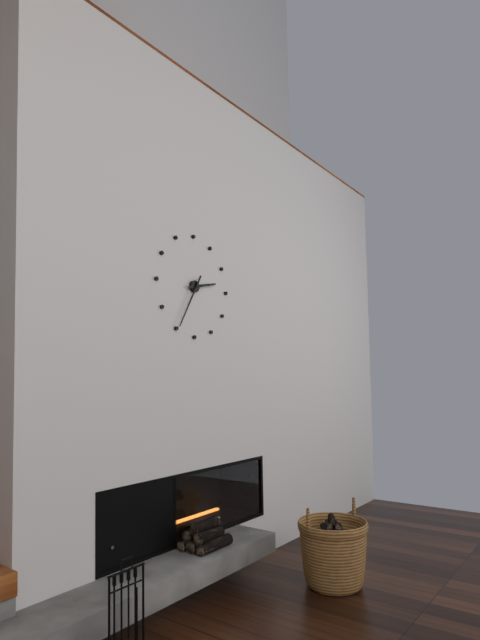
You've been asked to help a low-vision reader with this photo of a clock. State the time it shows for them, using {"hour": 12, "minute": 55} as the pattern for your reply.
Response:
{"hour": 2, "minute": 35}
